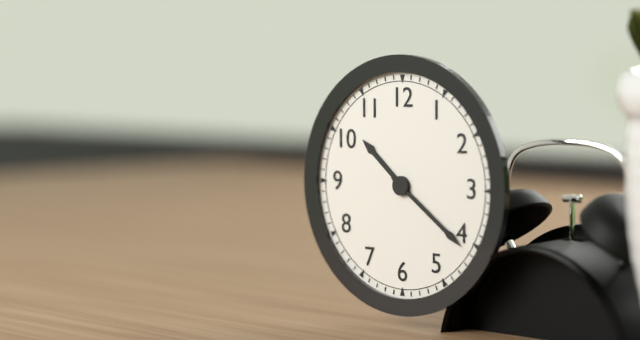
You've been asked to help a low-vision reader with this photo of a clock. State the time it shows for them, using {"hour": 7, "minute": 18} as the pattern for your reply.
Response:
{"hour": 10, "minute": 21}
